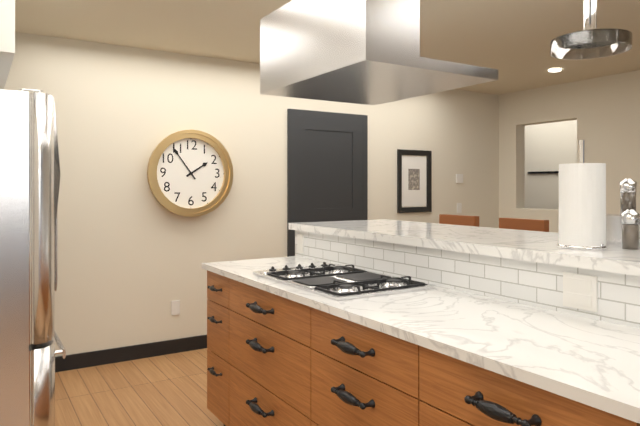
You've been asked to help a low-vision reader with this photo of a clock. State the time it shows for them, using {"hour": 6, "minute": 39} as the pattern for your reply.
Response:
{"hour": 1, "minute": 54}
